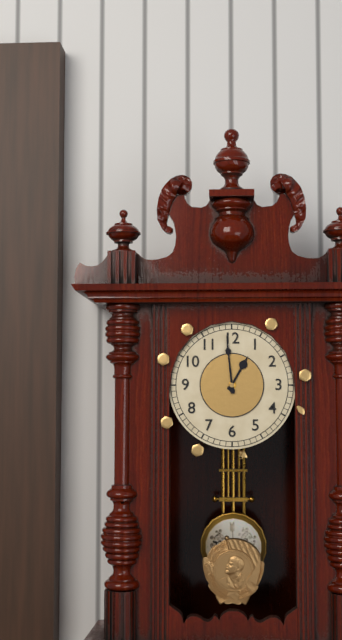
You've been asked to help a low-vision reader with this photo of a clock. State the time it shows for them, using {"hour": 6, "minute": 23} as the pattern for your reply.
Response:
{"hour": 12, "minute": 59}
